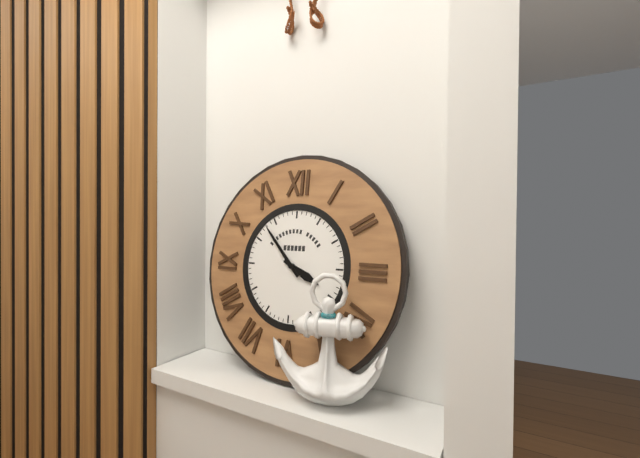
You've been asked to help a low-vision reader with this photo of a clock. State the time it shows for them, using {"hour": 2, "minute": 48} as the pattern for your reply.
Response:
{"hour": 3, "minute": 53}
